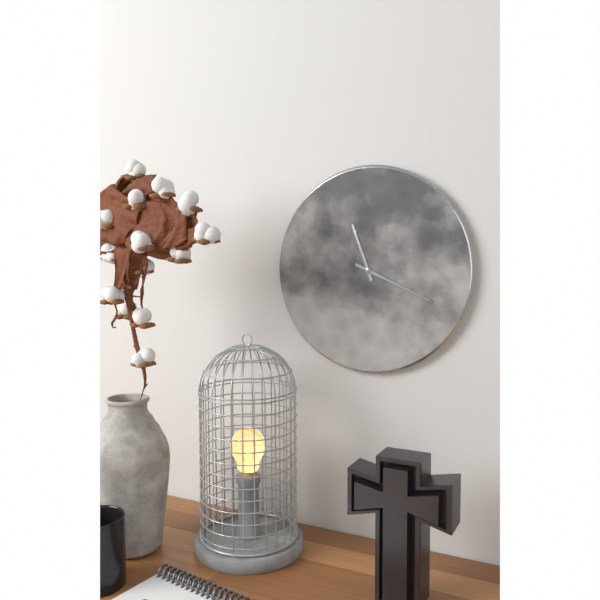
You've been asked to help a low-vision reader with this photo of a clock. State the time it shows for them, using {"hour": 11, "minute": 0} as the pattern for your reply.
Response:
{"hour": 11, "minute": 19}
